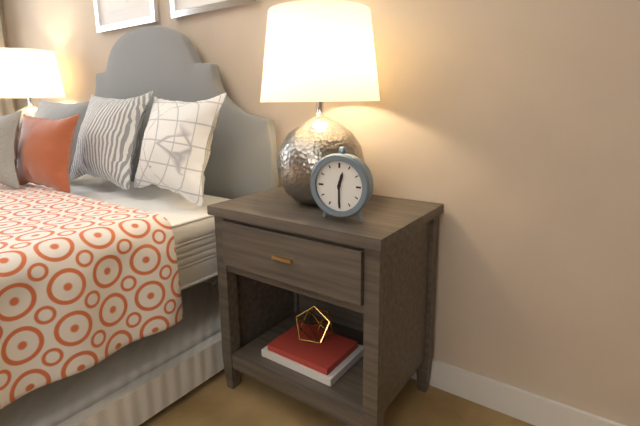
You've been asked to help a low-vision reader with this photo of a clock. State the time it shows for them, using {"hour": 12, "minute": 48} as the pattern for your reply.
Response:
{"hour": 12, "minute": 30}
